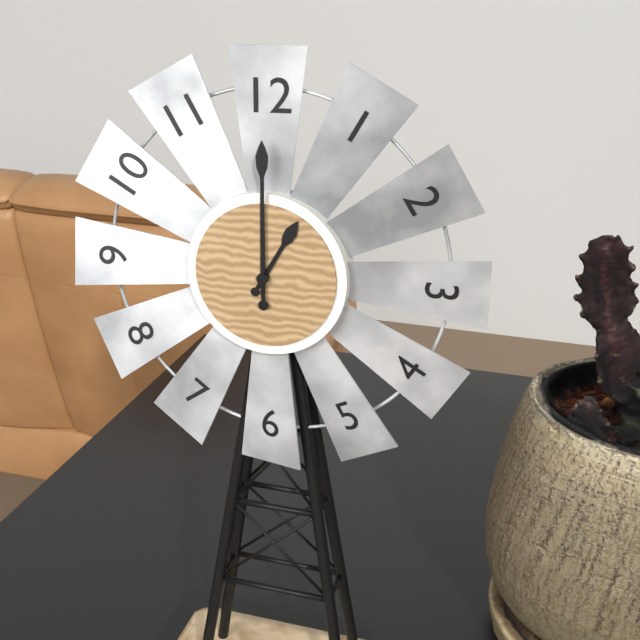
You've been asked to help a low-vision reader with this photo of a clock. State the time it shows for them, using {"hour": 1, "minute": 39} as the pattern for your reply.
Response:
{"hour": 1, "minute": 0}
